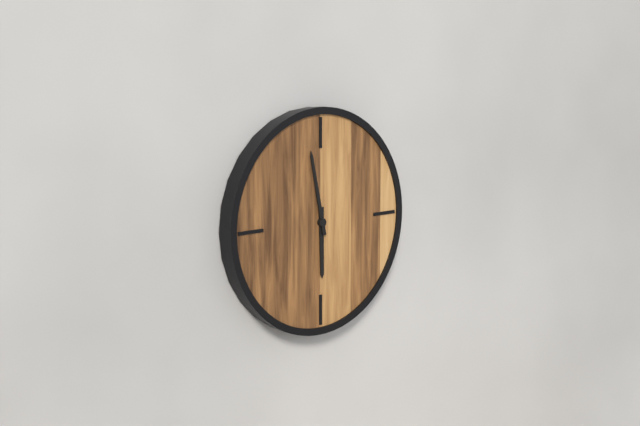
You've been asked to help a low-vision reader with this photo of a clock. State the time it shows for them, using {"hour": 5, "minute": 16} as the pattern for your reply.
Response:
{"hour": 5, "minute": 58}
